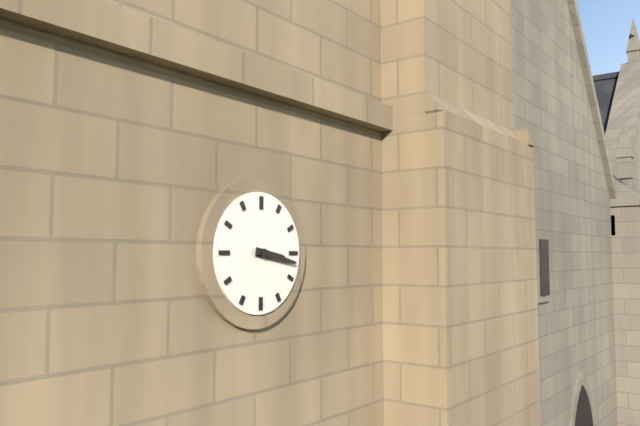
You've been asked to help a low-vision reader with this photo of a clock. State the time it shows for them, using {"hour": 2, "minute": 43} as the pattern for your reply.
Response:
{"hour": 3, "minute": 17}
